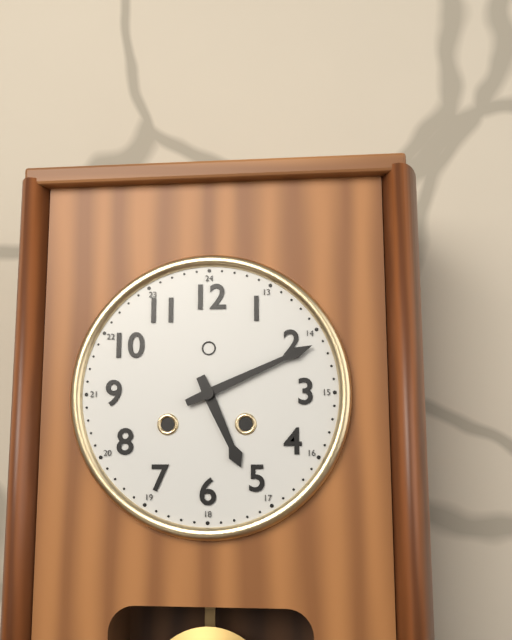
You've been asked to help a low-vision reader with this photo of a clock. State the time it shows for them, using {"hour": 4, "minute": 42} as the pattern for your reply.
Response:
{"hour": 5, "minute": 11}
